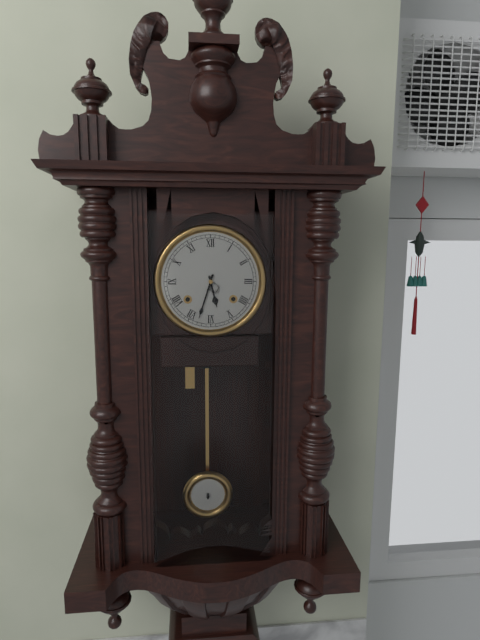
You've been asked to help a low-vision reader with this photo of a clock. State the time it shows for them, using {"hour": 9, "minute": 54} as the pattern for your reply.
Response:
{"hour": 5, "minute": 33}
